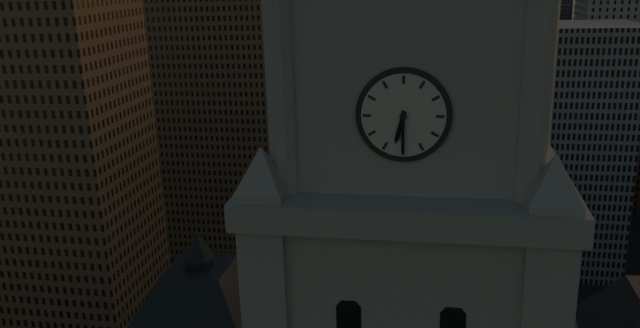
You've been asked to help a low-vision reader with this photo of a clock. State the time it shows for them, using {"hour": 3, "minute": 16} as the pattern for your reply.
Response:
{"hour": 6, "minute": 30}
